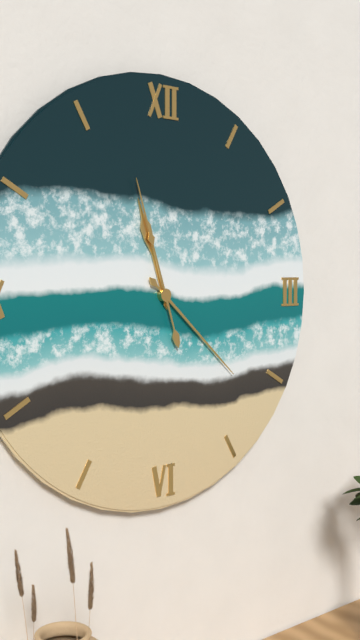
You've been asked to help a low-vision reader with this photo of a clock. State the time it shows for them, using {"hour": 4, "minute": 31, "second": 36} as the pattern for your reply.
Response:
{"hour": 11, "minute": 22, "second": 57}
